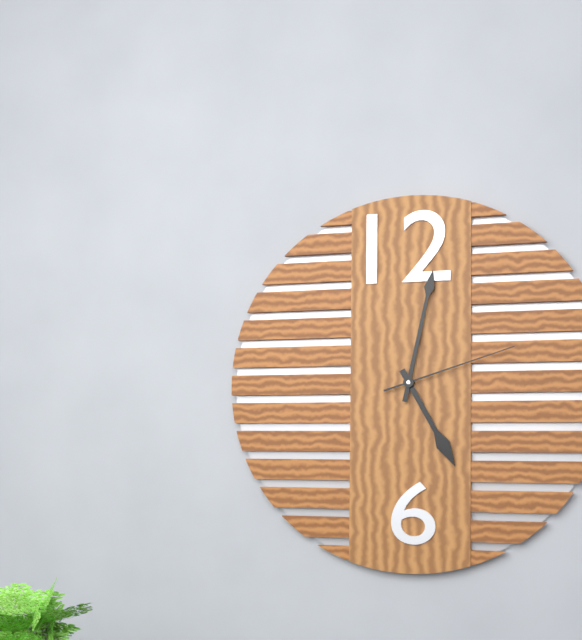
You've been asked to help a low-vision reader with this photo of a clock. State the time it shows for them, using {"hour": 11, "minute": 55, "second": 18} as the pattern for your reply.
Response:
{"hour": 5, "minute": 2, "second": 12}
